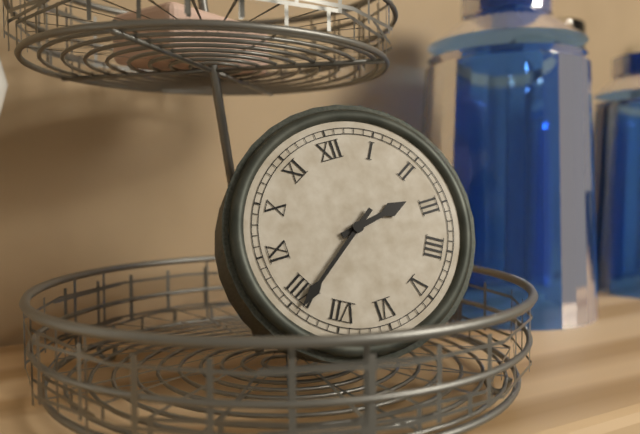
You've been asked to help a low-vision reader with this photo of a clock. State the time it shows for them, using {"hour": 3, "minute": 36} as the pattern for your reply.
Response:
{"hour": 2, "minute": 39}
